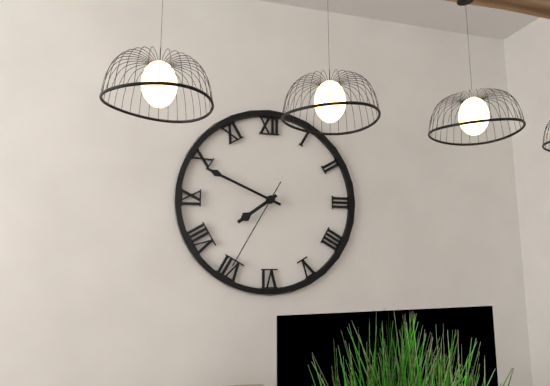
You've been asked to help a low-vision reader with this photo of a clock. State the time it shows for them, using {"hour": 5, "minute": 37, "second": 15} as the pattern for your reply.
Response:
{"hour": 7, "minute": 49, "second": 35}
